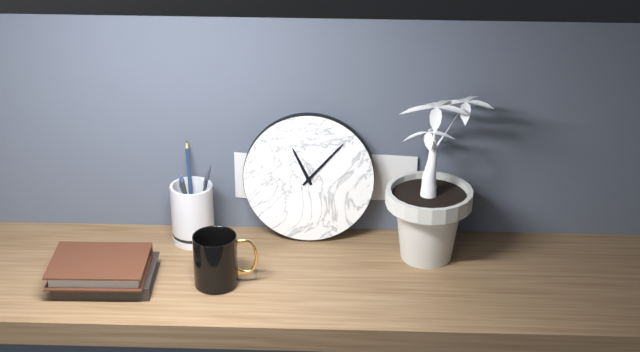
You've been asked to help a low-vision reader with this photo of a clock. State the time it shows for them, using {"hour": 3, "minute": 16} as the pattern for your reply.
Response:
{"hour": 11, "minute": 7}
